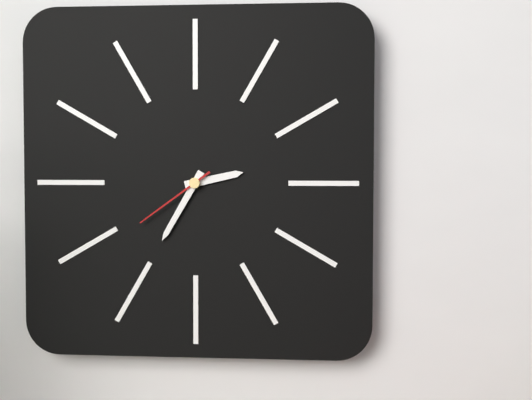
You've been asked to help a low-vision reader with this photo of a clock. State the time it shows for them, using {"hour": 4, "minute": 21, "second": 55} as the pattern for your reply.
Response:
{"hour": 2, "minute": 35, "second": 39}
